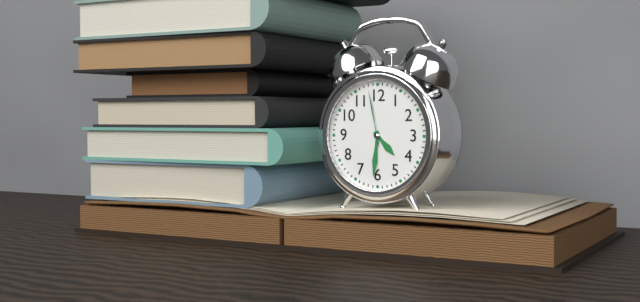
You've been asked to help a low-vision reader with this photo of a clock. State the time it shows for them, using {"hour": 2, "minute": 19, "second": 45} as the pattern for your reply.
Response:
{"hour": 4, "minute": 31, "second": 58}
